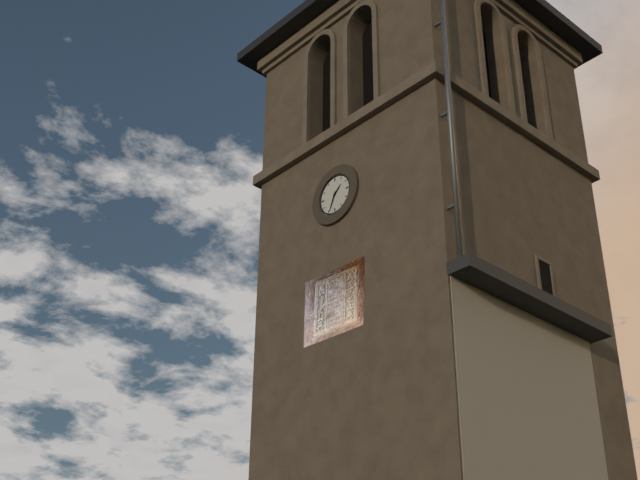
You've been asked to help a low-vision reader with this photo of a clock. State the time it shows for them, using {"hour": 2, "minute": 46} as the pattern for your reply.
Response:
{"hour": 1, "minute": 34}
